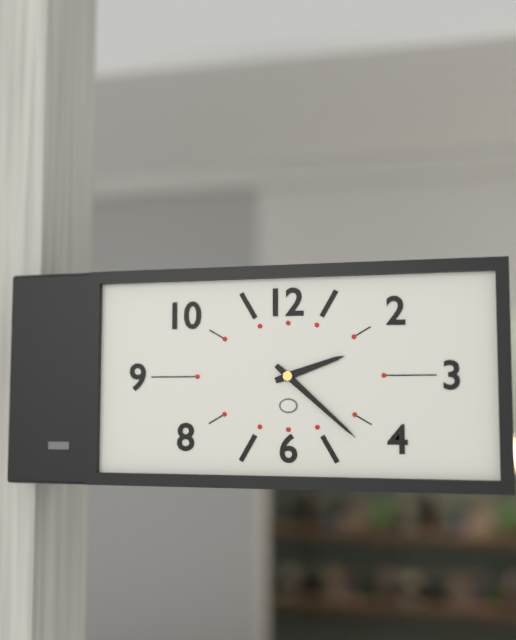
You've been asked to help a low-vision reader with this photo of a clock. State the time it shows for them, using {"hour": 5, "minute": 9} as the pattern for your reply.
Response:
{"hour": 2, "minute": 22}
